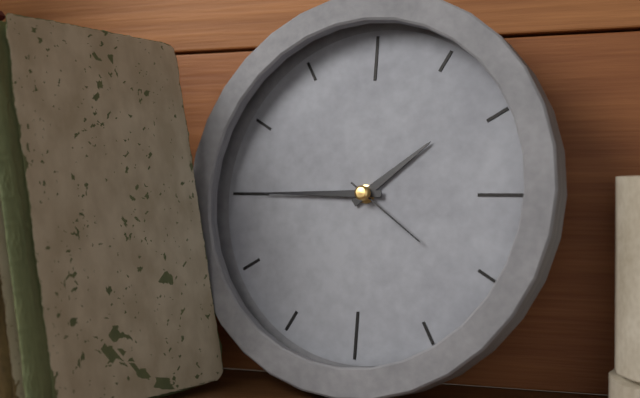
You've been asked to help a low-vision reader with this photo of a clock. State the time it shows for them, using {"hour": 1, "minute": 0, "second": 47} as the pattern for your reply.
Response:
{"hour": 1, "minute": 45, "second": 21}
